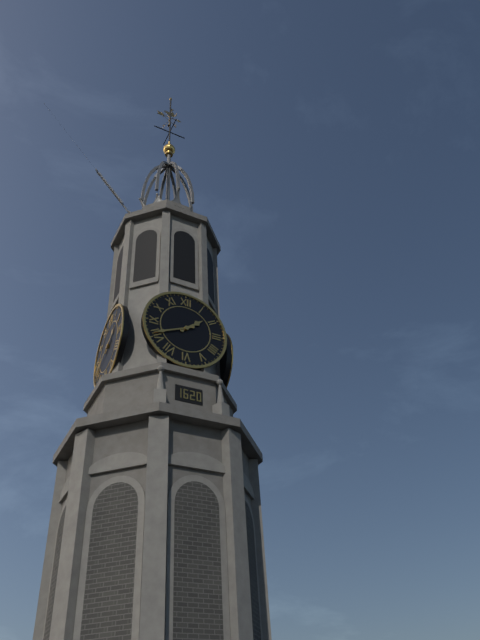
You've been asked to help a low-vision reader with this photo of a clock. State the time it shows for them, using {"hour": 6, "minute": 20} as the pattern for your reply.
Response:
{"hour": 1, "minute": 41}
